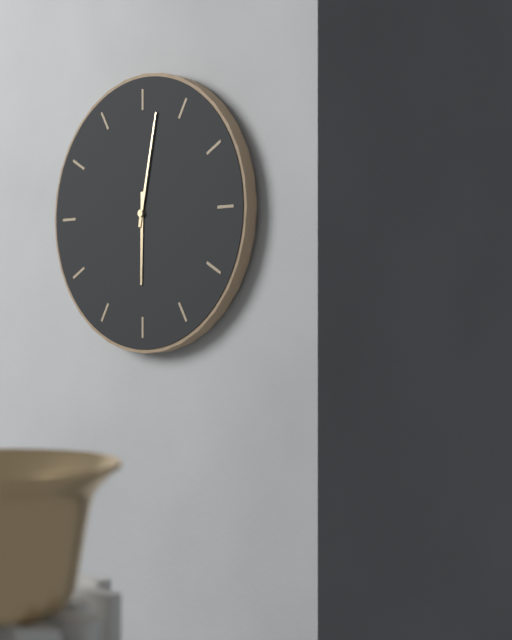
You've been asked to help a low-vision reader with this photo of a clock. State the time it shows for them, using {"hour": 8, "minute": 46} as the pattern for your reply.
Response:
{"hour": 6, "minute": 2}
